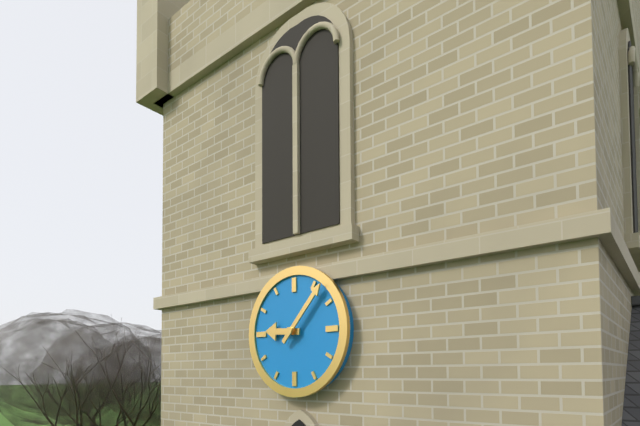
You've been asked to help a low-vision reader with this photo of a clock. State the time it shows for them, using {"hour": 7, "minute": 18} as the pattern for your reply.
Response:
{"hour": 9, "minute": 7}
